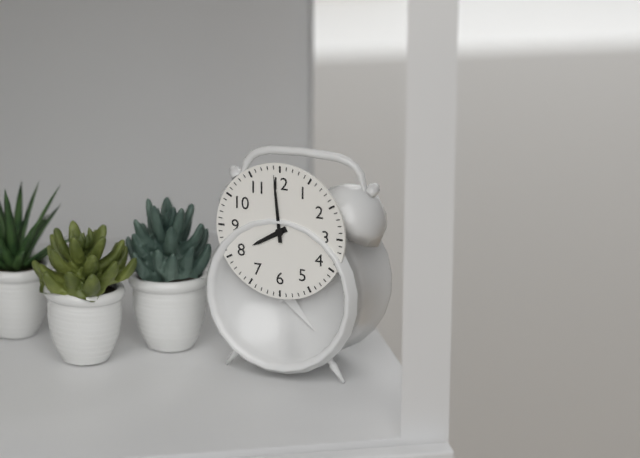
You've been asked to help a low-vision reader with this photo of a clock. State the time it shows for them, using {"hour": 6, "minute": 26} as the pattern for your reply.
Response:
{"hour": 7, "minute": 59}
